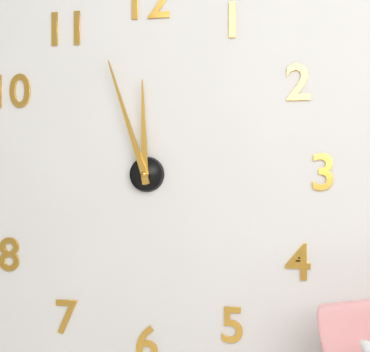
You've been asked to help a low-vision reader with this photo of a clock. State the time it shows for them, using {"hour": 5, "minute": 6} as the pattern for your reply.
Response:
{"hour": 11, "minute": 57}
